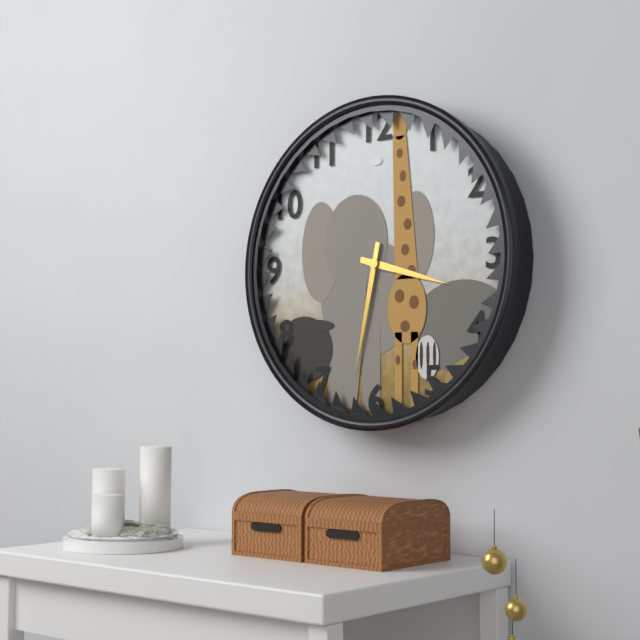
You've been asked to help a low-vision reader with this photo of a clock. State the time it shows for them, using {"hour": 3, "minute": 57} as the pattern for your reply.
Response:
{"hour": 3, "minute": 32}
